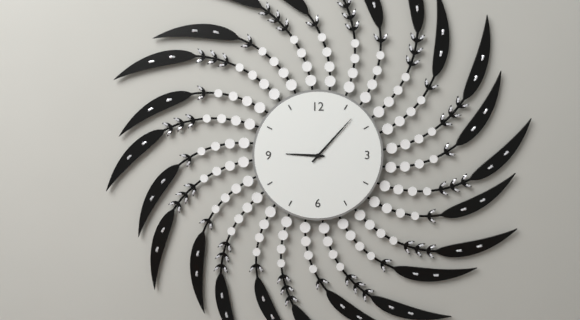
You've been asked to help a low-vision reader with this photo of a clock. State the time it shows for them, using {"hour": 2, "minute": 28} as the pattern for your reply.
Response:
{"hour": 9, "minute": 7}
